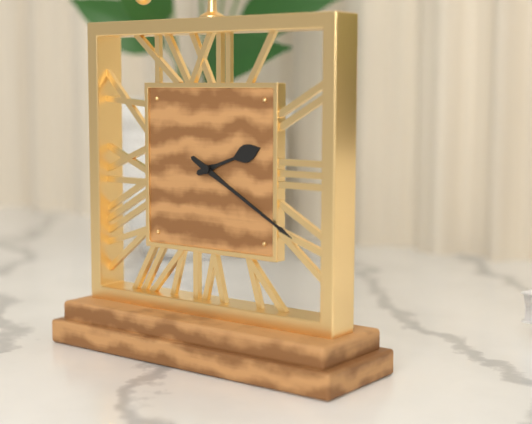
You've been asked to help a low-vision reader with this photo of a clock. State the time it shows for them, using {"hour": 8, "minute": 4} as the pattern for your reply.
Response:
{"hour": 2, "minute": 20}
